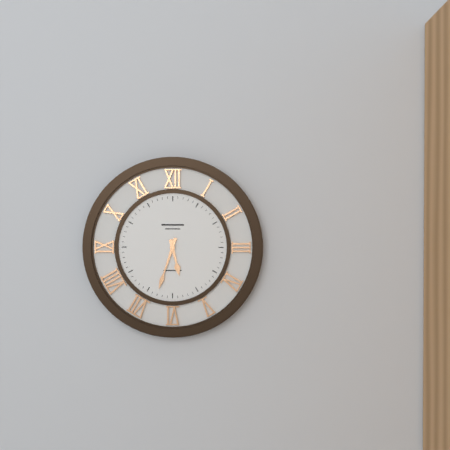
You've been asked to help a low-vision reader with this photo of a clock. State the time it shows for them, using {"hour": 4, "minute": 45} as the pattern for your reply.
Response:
{"hour": 5, "minute": 33}
